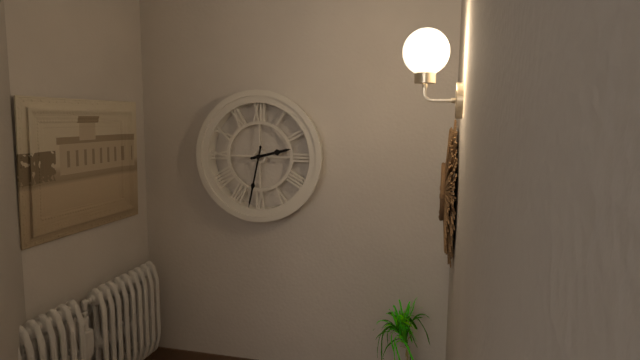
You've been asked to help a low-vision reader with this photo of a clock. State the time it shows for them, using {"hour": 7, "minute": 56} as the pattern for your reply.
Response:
{"hour": 2, "minute": 32}
